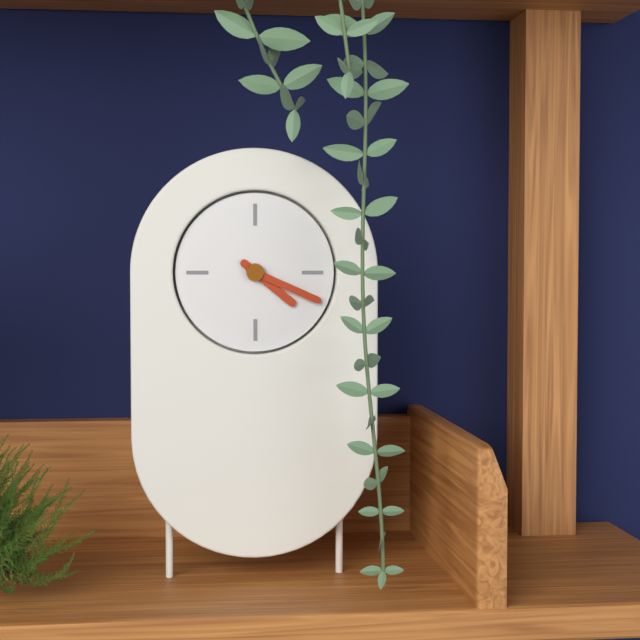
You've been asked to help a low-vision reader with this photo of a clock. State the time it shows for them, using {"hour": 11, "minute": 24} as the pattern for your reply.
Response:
{"hour": 4, "minute": 19}
